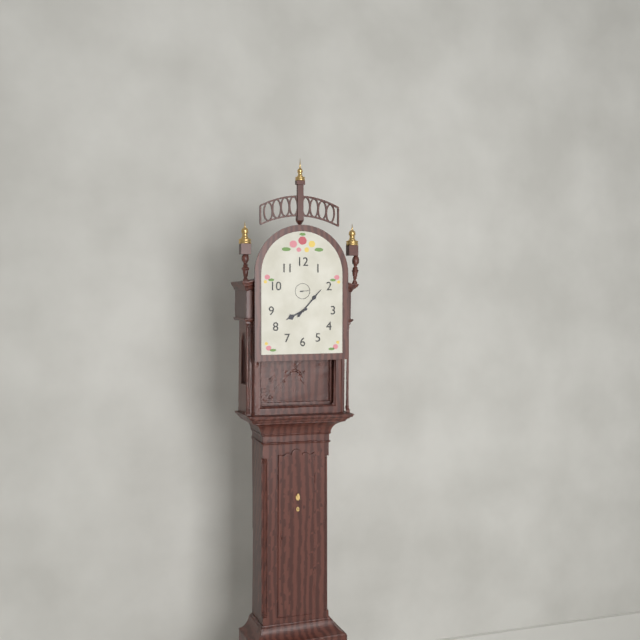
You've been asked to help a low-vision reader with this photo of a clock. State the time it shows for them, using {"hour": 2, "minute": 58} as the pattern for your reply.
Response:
{"hour": 8, "minute": 7}
